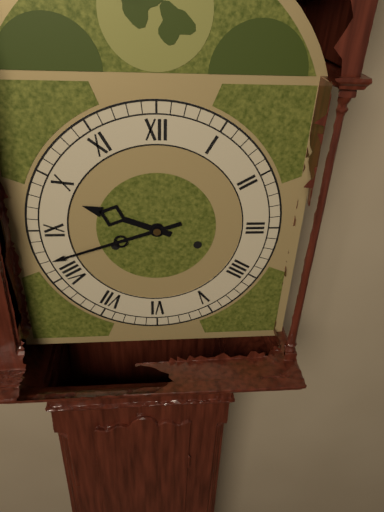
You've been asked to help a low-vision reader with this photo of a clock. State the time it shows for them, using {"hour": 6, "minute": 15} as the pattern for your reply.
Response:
{"hour": 9, "minute": 42}
